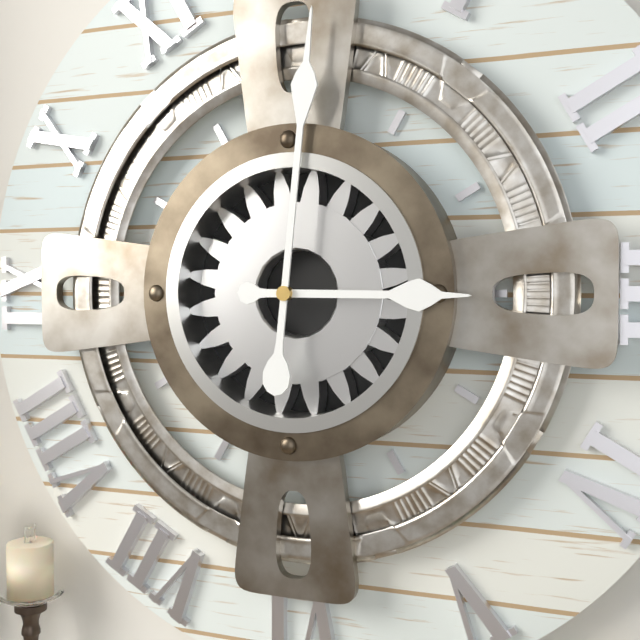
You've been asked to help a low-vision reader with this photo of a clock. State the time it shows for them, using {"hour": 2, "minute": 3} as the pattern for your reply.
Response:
{"hour": 3, "minute": 1}
